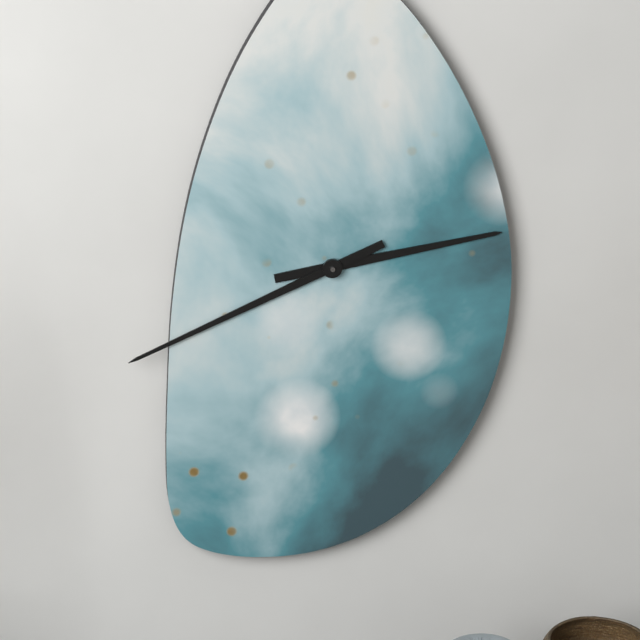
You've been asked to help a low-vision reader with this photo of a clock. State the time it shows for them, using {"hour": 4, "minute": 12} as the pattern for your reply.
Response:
{"hour": 2, "minute": 41}
